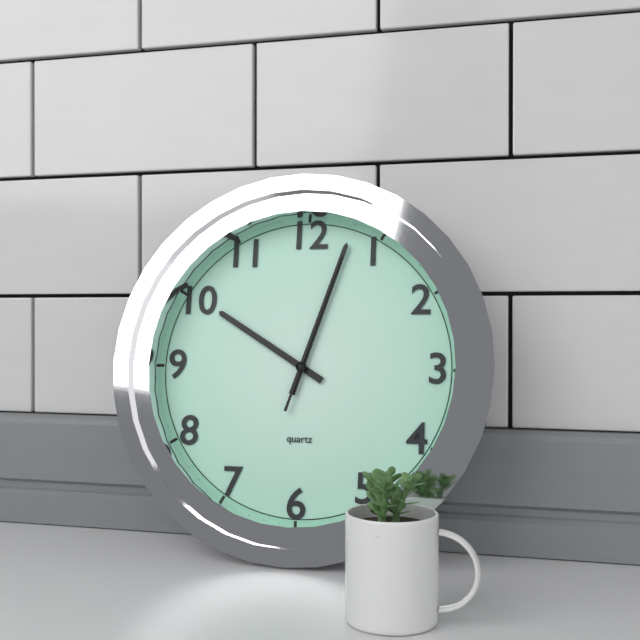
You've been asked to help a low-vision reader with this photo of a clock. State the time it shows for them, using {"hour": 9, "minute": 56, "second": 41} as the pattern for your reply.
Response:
{"hour": 10, "minute": 3, "second": 3}
